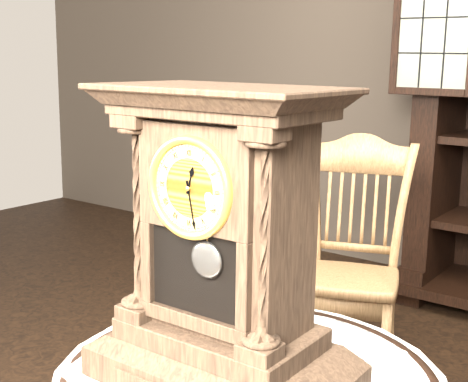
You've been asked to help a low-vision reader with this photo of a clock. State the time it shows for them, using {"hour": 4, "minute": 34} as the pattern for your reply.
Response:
{"hour": 12, "minute": 28}
